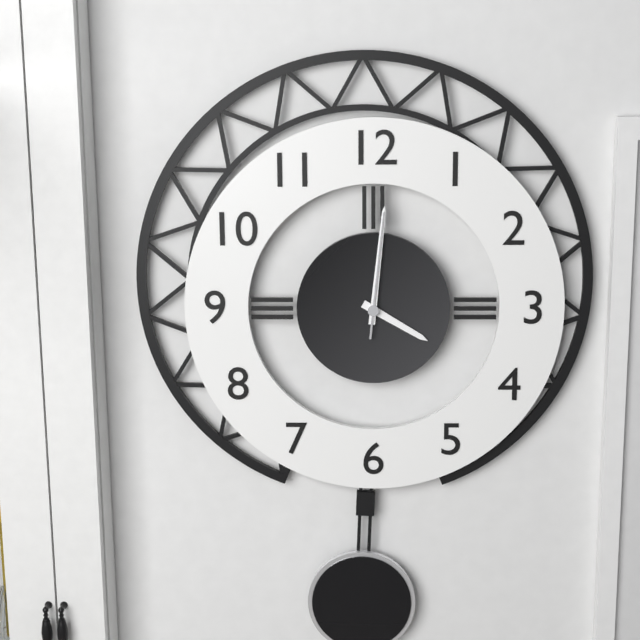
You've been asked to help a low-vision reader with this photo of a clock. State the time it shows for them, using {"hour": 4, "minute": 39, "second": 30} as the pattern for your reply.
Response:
{"hour": 4, "minute": 1, "second": 1}
